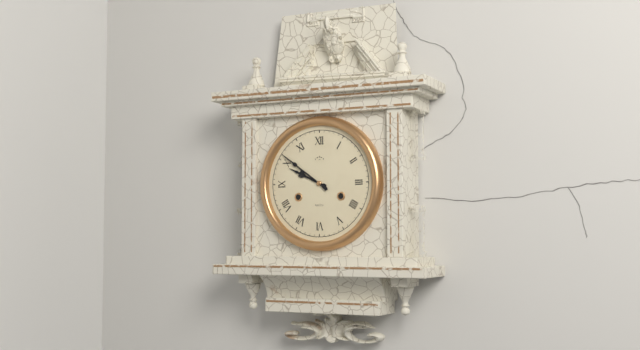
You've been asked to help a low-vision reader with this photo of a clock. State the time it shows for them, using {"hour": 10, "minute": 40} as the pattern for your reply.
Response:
{"hour": 9, "minute": 51}
